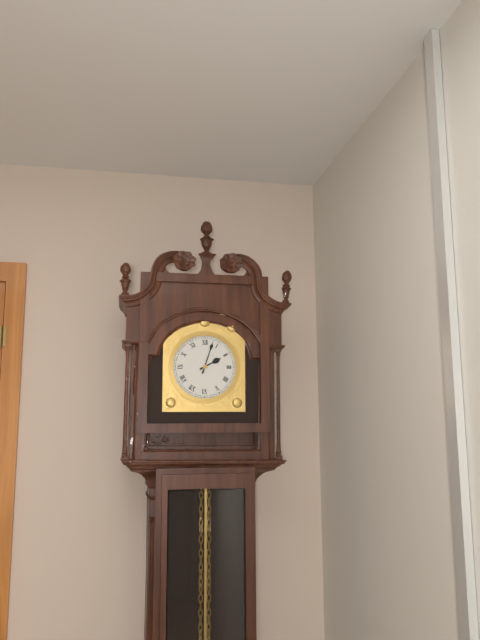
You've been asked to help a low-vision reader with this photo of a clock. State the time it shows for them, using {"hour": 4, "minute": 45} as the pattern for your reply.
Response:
{"hour": 2, "minute": 3}
